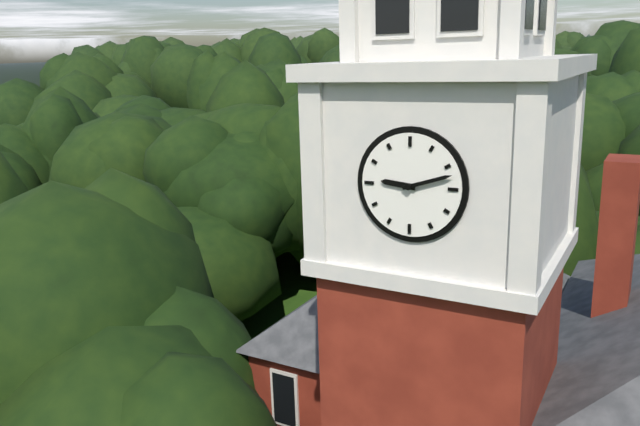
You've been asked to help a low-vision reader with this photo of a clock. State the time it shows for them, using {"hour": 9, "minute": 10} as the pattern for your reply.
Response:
{"hour": 9, "minute": 12}
